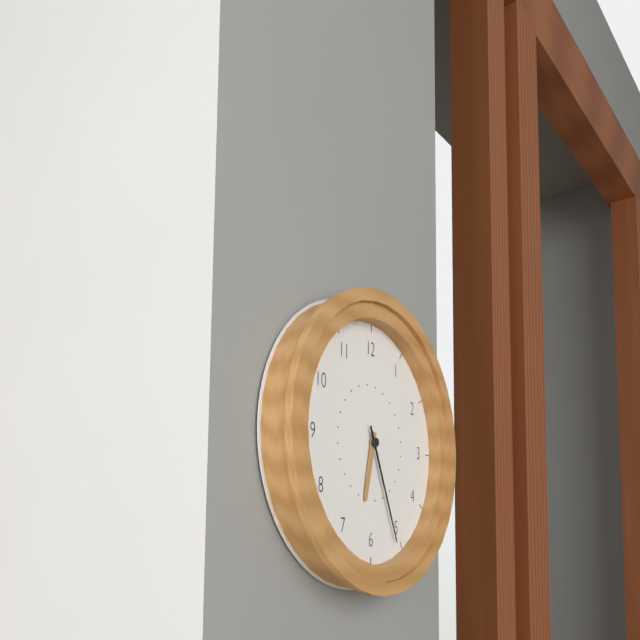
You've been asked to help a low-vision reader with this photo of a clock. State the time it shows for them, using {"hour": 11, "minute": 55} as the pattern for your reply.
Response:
{"hour": 6, "minute": 26}
